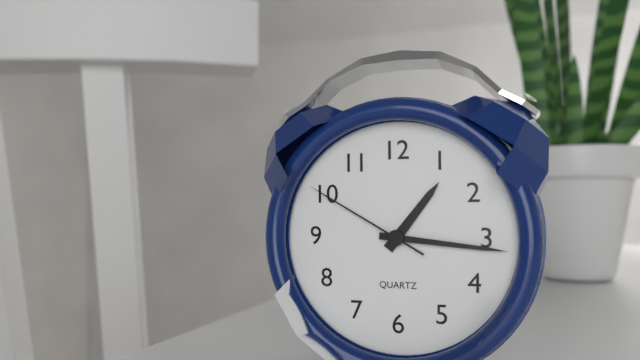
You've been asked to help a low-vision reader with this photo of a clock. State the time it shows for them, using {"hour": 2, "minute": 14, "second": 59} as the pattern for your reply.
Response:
{"hour": 1, "minute": 16, "second": 50}
